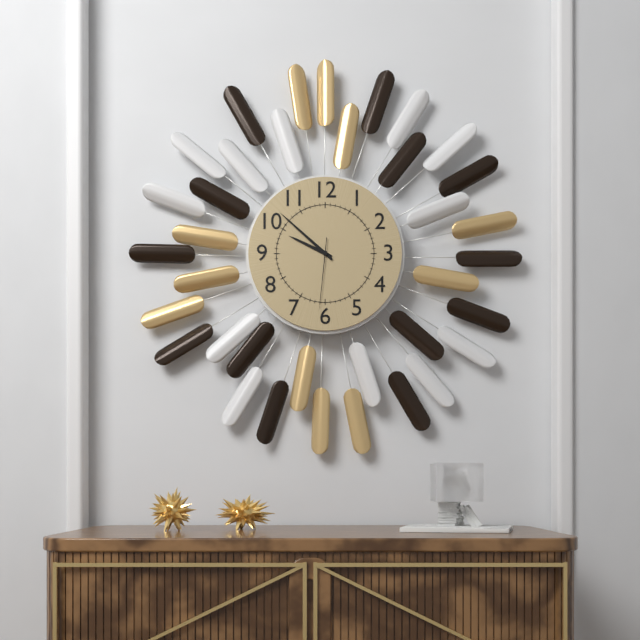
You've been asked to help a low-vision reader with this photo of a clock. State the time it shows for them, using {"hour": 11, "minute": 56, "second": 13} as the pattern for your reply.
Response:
{"hour": 9, "minute": 52, "second": 31}
